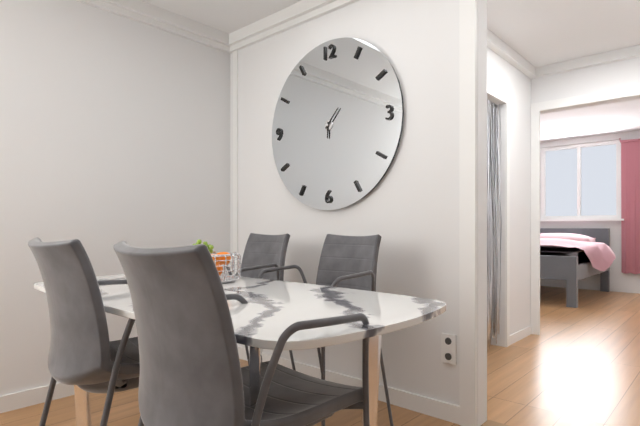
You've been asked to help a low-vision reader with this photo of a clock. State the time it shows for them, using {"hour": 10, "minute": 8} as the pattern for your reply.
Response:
{"hour": 6, "minute": 7}
